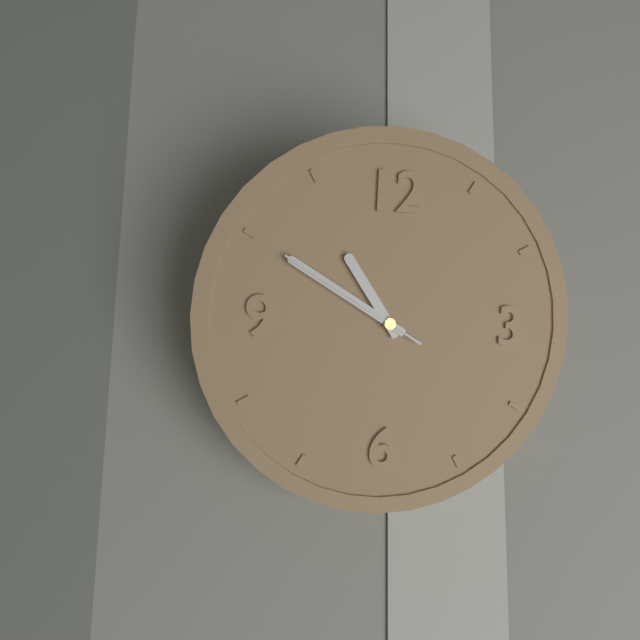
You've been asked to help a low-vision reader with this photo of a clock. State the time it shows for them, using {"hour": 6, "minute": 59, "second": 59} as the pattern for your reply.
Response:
{"hour": 10, "minute": 50, "second": 50}
